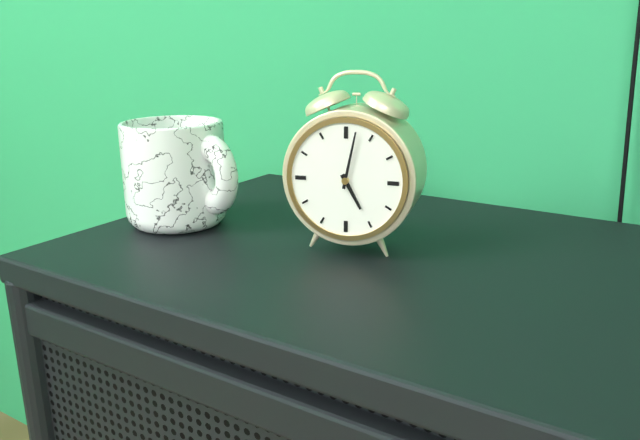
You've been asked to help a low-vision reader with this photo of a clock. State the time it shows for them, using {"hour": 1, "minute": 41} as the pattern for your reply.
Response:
{"hour": 5, "minute": 2}
